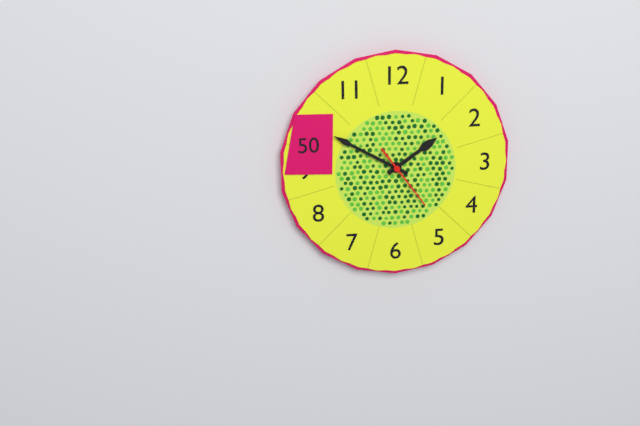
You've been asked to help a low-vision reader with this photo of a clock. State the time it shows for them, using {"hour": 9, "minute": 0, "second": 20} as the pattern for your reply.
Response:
{"hour": 1, "minute": 50, "second": 24}
